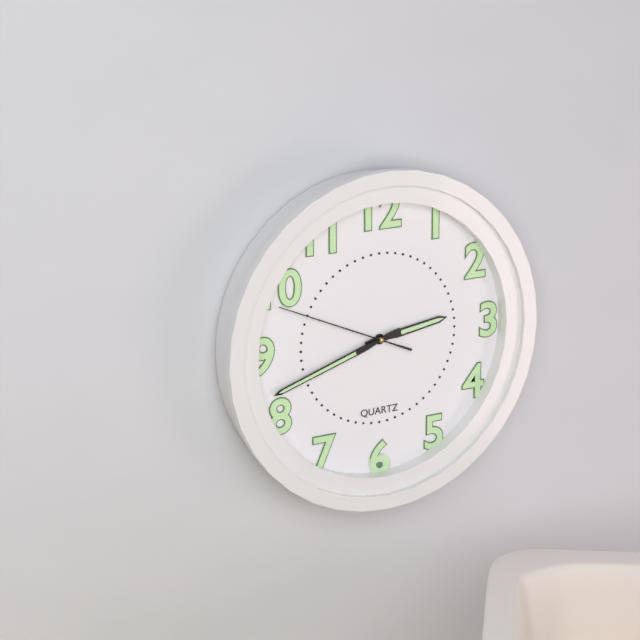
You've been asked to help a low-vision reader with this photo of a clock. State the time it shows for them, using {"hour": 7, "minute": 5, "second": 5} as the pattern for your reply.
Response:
{"hour": 2, "minute": 42, "second": 49}
